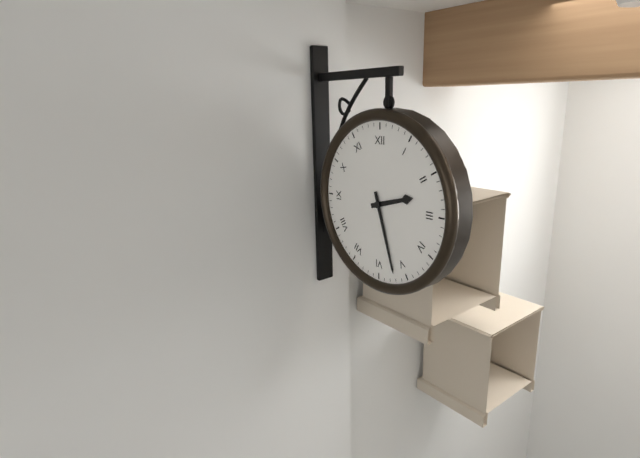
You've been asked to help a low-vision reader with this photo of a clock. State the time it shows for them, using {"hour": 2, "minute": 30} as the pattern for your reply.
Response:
{"hour": 2, "minute": 27}
